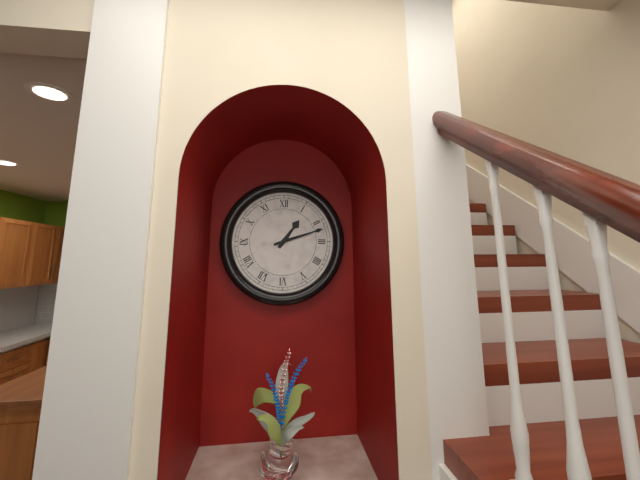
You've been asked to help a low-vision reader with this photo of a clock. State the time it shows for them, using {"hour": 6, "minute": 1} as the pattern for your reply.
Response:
{"hour": 1, "minute": 12}
